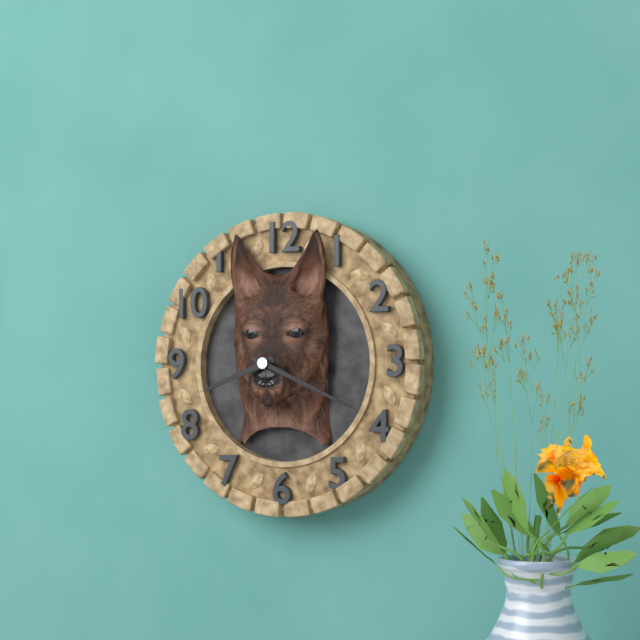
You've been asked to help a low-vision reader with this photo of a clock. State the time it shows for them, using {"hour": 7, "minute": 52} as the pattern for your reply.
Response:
{"hour": 8, "minute": 19}
